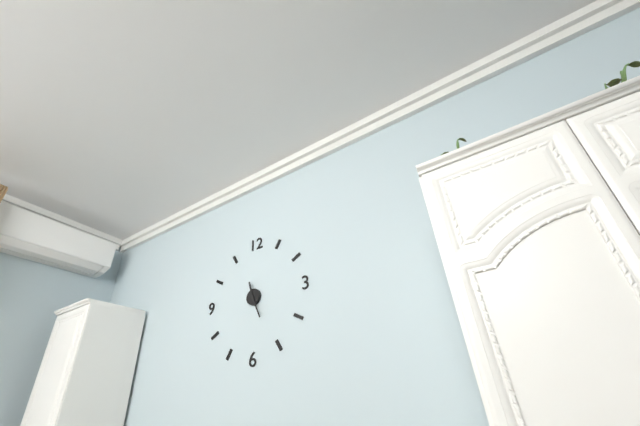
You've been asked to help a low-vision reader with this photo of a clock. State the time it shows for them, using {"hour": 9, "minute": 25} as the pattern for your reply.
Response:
{"hour": 11, "minute": 26}
